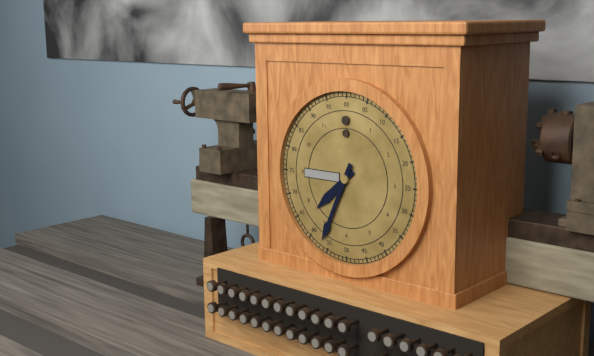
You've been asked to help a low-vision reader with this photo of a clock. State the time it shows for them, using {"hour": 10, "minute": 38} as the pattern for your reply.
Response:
{"hour": 7, "minute": 34}
